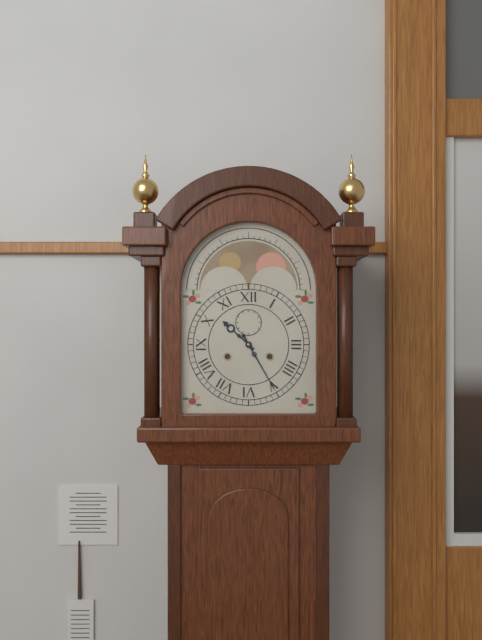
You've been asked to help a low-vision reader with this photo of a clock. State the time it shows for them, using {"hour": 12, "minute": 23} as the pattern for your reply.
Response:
{"hour": 10, "minute": 25}
